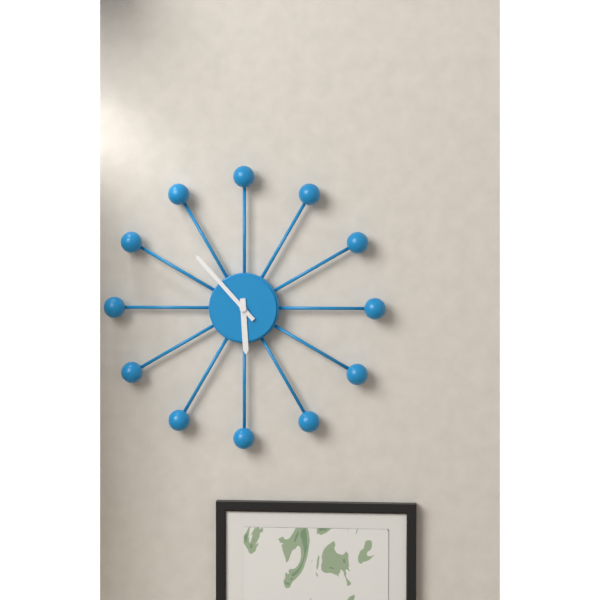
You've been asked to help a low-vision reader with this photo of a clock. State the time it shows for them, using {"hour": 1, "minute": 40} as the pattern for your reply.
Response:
{"hour": 5, "minute": 53}
